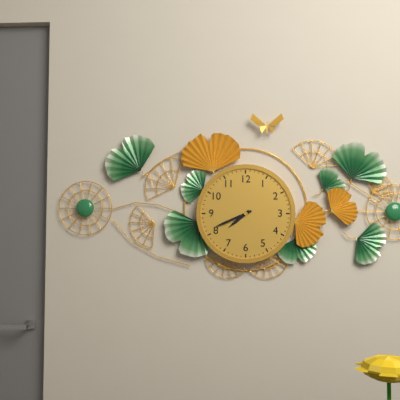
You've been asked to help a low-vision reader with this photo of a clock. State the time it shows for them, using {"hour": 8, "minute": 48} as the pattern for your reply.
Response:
{"hour": 7, "minute": 41}
